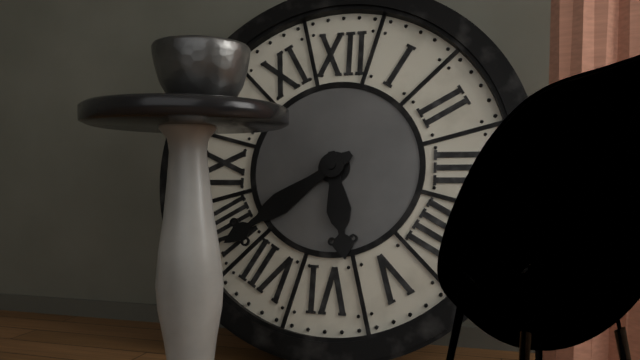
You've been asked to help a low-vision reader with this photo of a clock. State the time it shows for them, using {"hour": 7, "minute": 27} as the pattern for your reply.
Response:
{"hour": 5, "minute": 39}
